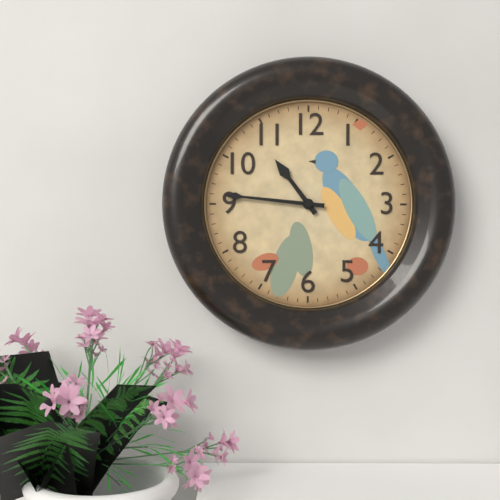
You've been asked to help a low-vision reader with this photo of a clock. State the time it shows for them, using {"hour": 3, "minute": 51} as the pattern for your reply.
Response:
{"hour": 10, "minute": 46}
